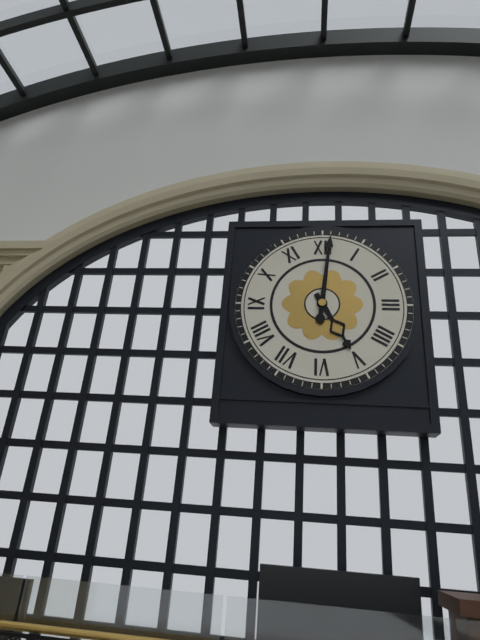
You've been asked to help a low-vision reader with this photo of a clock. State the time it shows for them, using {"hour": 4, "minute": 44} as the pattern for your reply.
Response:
{"hour": 5, "minute": 1}
